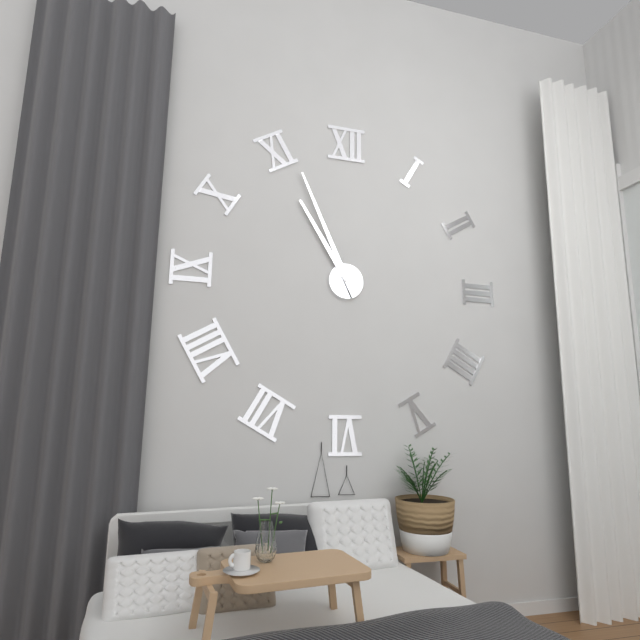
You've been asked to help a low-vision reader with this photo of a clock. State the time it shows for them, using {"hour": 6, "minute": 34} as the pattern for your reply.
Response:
{"hour": 10, "minute": 56}
